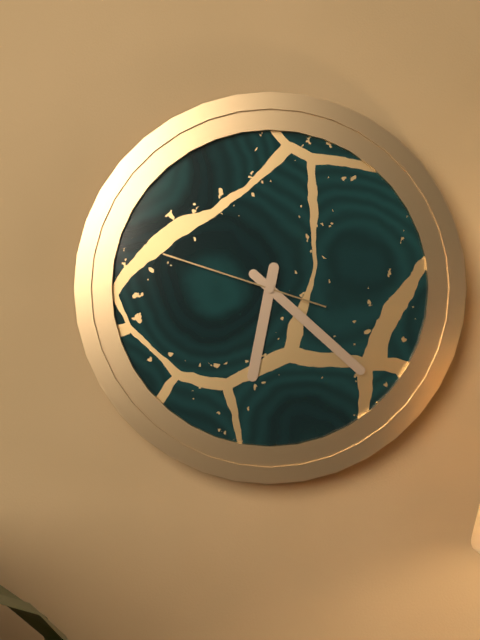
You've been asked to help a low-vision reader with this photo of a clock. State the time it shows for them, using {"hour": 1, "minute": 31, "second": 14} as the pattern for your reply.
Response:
{"hour": 6, "minute": 22, "second": 48}
